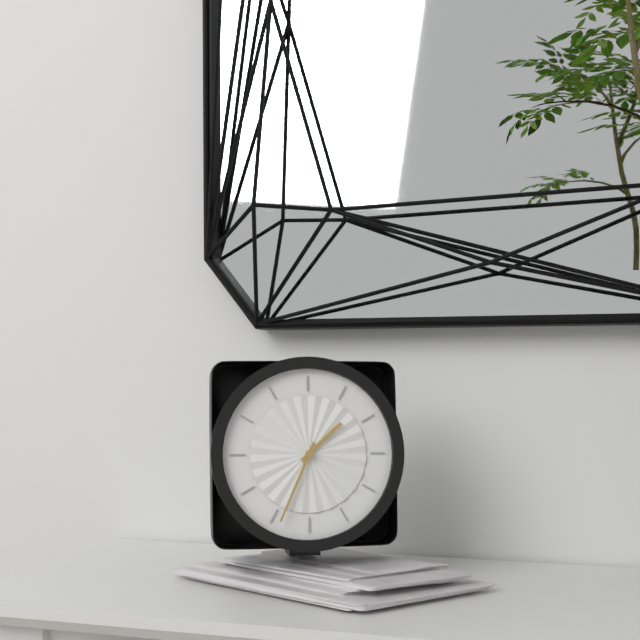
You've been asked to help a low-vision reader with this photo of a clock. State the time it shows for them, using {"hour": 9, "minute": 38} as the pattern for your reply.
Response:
{"hour": 1, "minute": 34}
